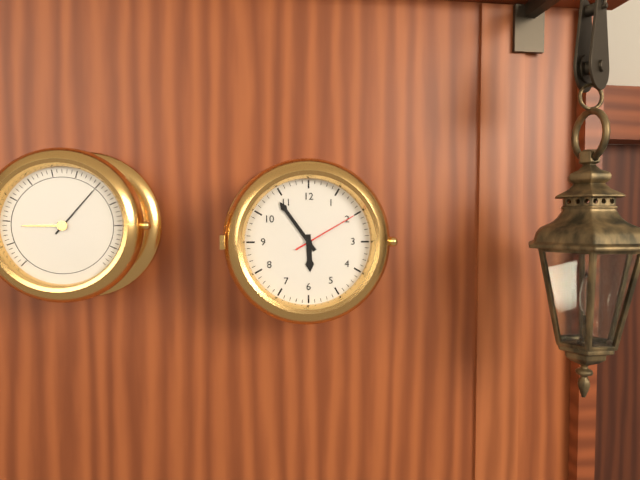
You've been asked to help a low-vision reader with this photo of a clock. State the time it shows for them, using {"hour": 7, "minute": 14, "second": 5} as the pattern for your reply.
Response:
{"hour": 5, "minute": 54, "second": 10}
